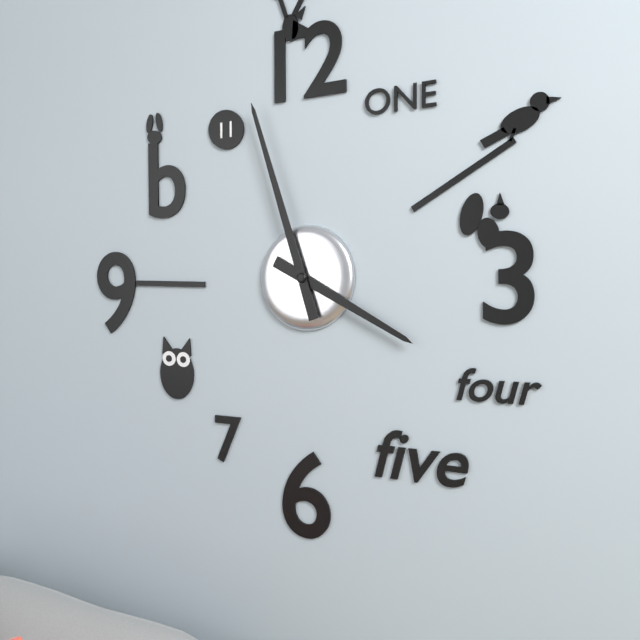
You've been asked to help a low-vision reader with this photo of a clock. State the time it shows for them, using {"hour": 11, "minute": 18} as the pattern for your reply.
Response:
{"hour": 3, "minute": 57}
